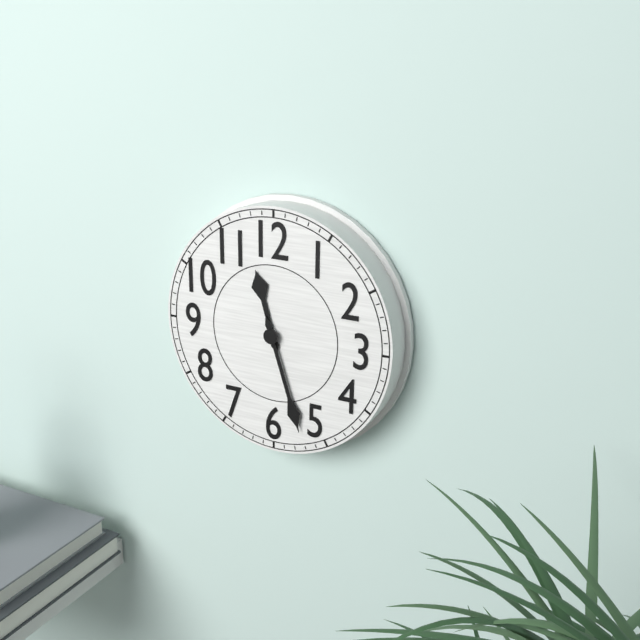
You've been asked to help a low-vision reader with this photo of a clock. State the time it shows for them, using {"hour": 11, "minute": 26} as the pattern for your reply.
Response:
{"hour": 11, "minute": 27}
